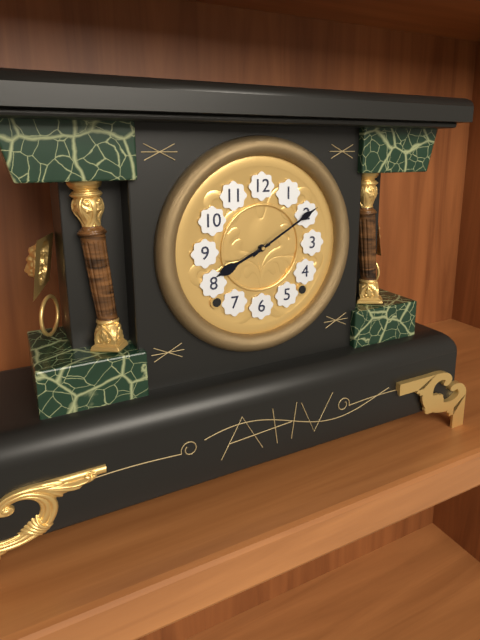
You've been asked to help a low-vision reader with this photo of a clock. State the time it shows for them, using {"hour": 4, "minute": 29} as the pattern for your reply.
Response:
{"hour": 8, "minute": 10}
